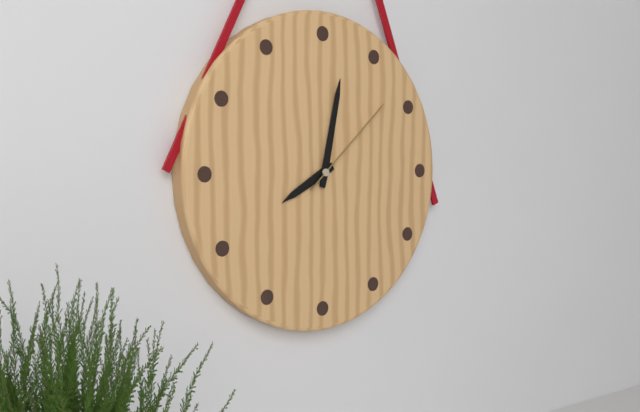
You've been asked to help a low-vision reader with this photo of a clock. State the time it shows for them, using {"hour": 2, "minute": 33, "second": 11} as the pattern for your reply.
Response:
{"hour": 8, "minute": 2, "second": 8}
